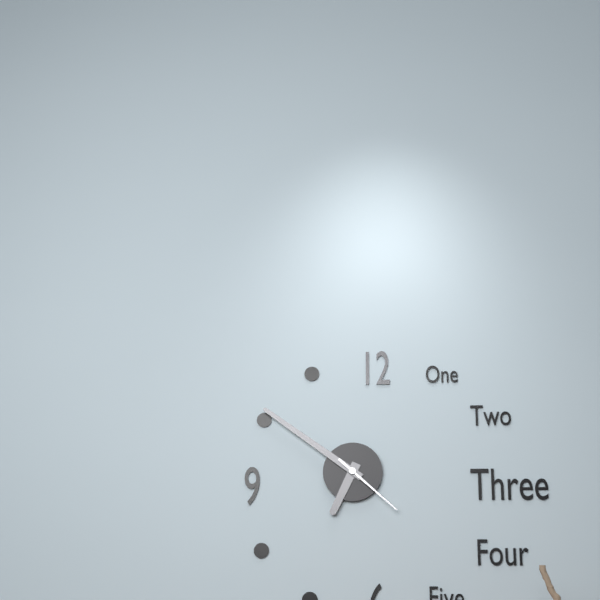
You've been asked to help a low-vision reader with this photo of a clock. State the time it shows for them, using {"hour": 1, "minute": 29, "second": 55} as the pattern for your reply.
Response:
{"hour": 6, "minute": 51, "second": 22}
